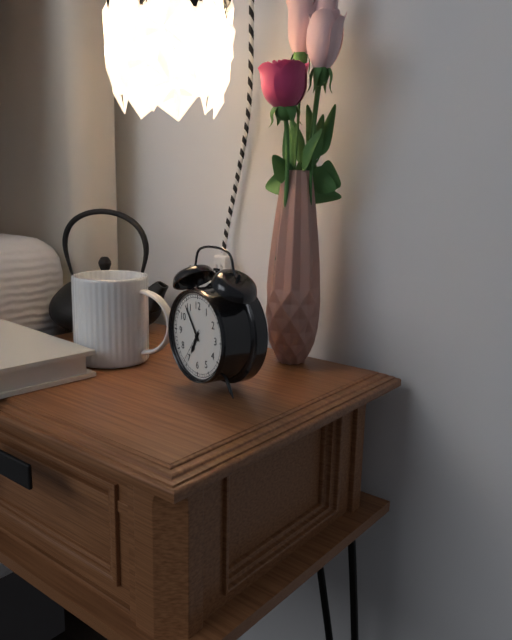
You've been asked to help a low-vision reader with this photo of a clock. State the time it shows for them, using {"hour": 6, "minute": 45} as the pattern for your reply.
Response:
{"hour": 6, "minute": 54}
